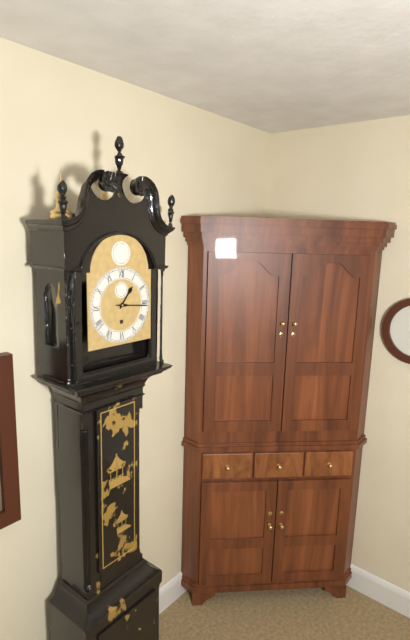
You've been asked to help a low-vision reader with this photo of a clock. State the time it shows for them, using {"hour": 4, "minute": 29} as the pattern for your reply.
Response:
{"hour": 1, "minute": 16}
